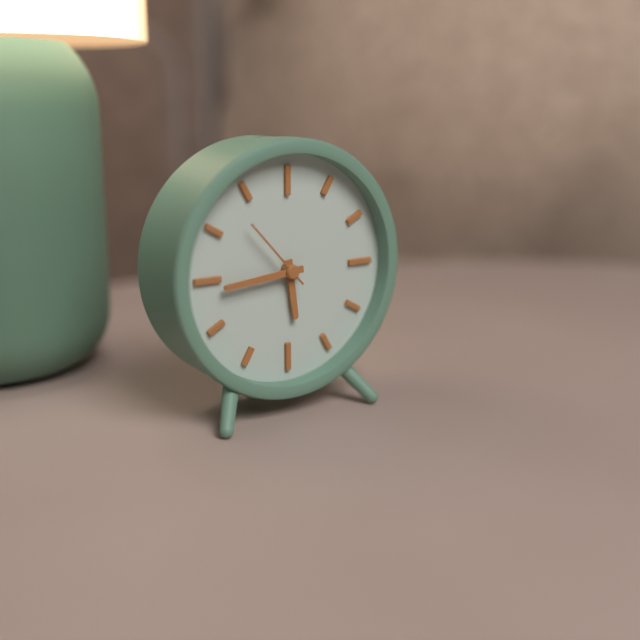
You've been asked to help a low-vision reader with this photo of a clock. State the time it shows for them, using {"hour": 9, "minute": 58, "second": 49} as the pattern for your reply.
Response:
{"hour": 5, "minute": 44, "second": 53}
